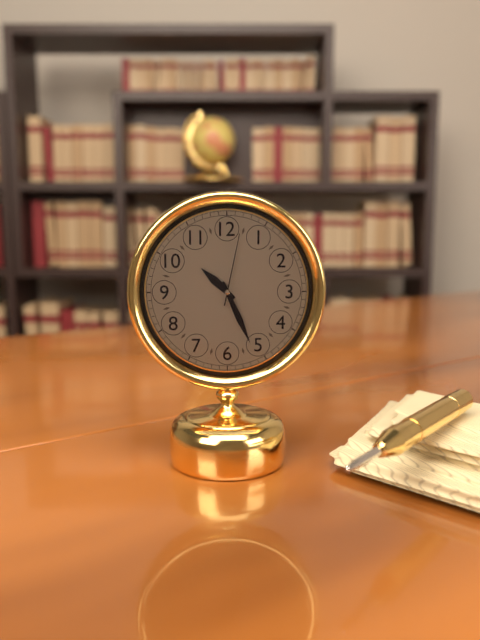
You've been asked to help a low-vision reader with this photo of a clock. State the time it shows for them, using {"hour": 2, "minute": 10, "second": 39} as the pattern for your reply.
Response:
{"hour": 10, "minute": 26, "second": 2}
